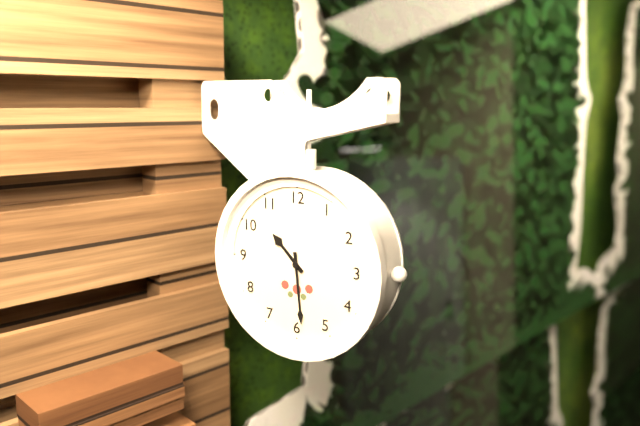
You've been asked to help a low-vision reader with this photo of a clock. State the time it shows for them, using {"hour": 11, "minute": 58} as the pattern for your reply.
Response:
{"hour": 10, "minute": 29}
